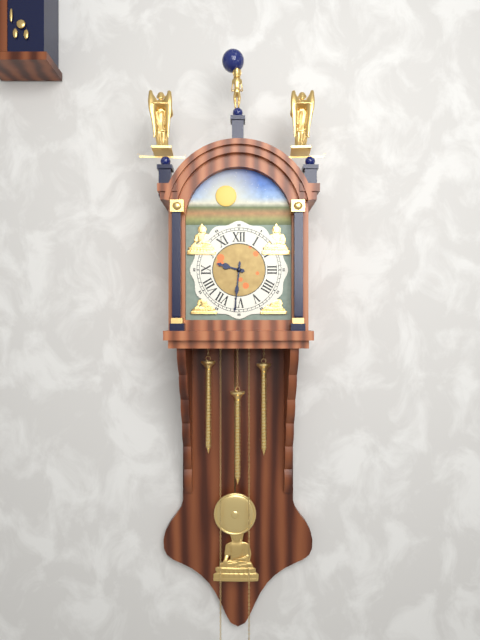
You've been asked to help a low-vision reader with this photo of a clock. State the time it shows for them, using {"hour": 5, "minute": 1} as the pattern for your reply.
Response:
{"hour": 9, "minute": 31}
